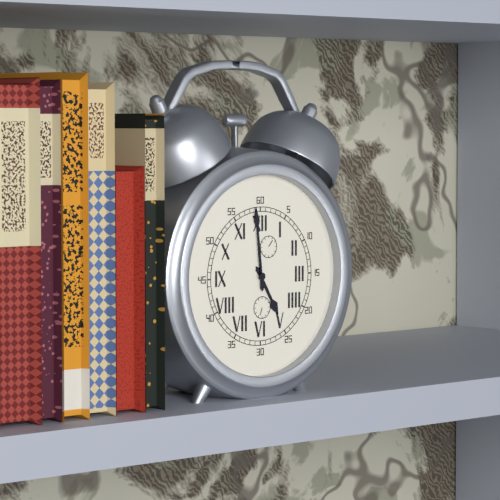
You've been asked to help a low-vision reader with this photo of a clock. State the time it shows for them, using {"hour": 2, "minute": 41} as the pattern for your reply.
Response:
{"hour": 4, "minute": 59}
